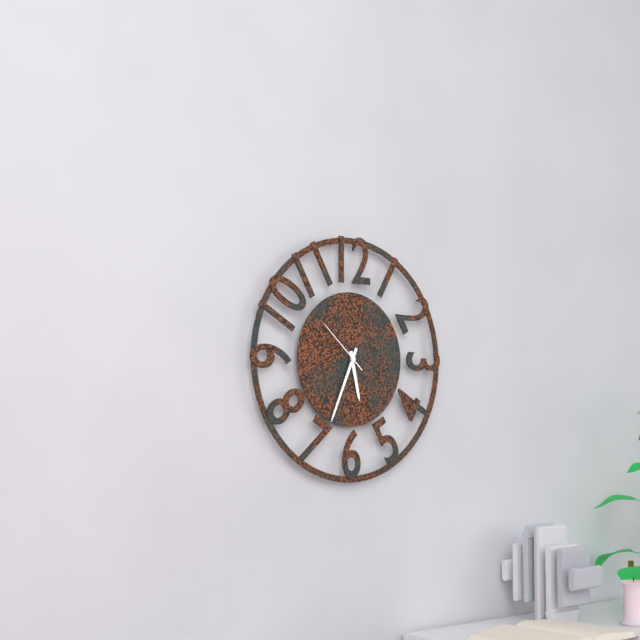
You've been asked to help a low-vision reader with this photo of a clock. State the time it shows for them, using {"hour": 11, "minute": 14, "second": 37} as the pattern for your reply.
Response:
{"hour": 5, "minute": 34, "second": 52}
